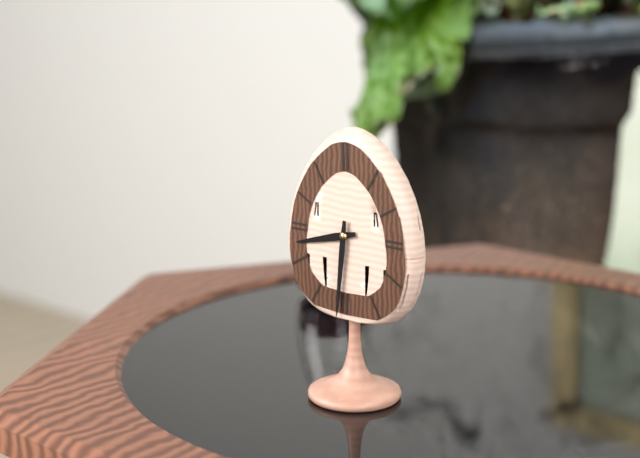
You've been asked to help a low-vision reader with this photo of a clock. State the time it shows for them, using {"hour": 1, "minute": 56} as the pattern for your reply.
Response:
{"hour": 8, "minute": 31}
